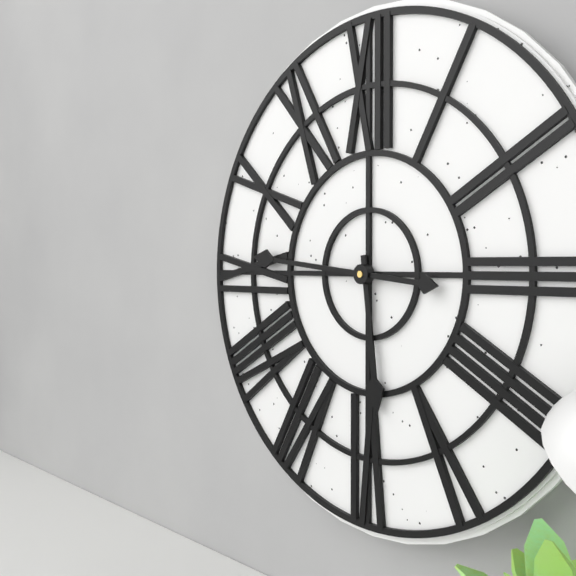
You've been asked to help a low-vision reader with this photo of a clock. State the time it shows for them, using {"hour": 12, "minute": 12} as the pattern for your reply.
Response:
{"hour": 5, "minute": 46}
